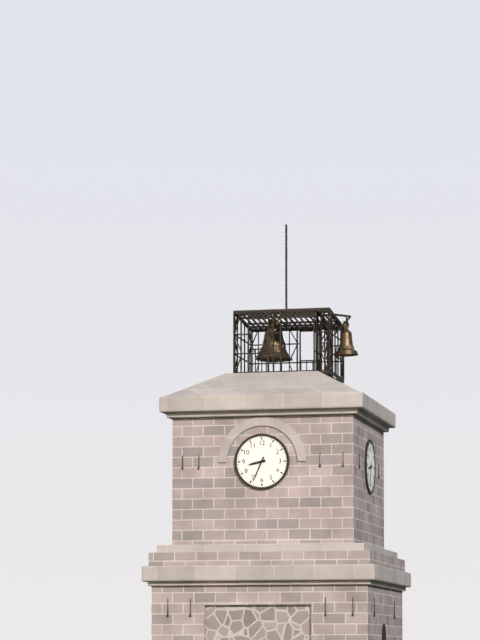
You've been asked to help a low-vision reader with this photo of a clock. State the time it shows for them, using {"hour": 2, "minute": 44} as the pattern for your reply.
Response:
{"hour": 8, "minute": 34}
